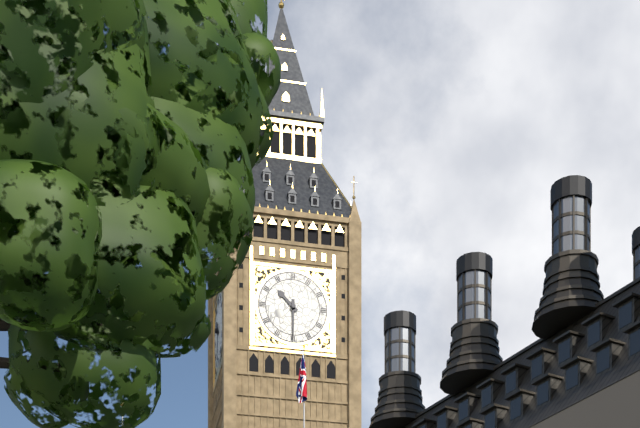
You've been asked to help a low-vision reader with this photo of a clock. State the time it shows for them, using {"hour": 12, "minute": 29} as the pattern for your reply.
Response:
{"hour": 10, "minute": 30}
